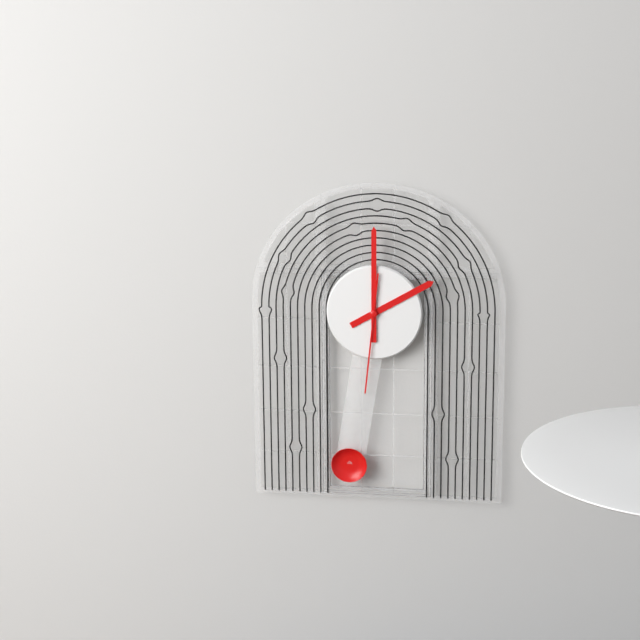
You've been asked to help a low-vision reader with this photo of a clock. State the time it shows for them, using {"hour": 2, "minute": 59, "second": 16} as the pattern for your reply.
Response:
{"hour": 2, "minute": 0, "second": 31}
